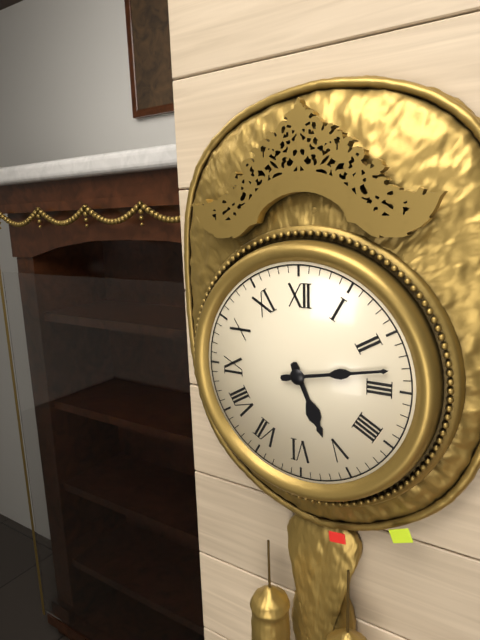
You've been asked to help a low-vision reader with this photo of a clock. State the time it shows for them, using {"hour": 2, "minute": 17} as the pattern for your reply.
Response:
{"hour": 5, "minute": 13}
